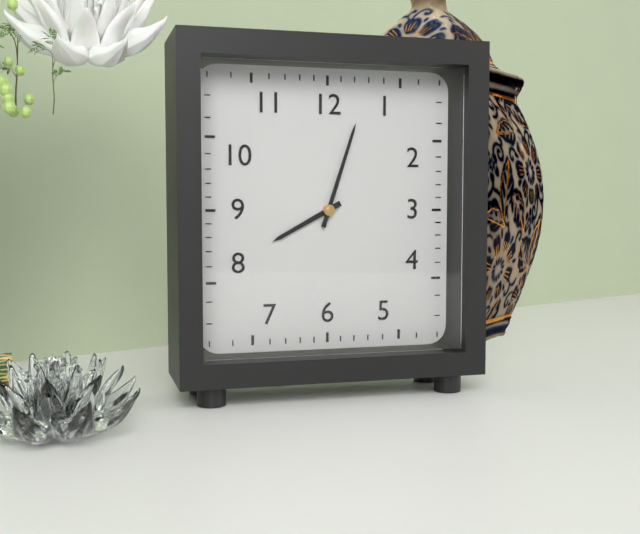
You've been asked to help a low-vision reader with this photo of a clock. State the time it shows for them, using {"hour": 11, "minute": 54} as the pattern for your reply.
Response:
{"hour": 8, "minute": 3}
